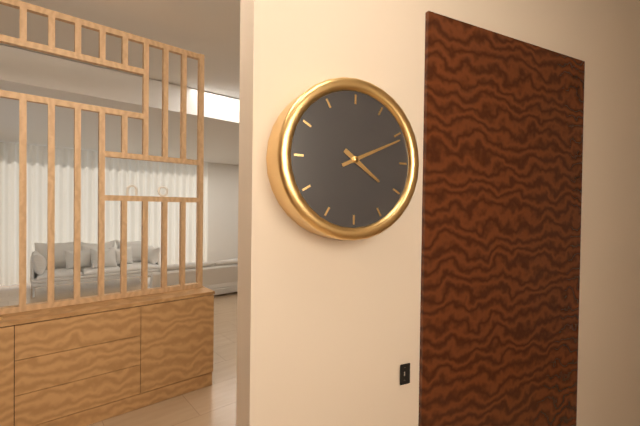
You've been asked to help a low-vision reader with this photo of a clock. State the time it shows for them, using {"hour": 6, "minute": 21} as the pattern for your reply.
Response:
{"hour": 4, "minute": 11}
